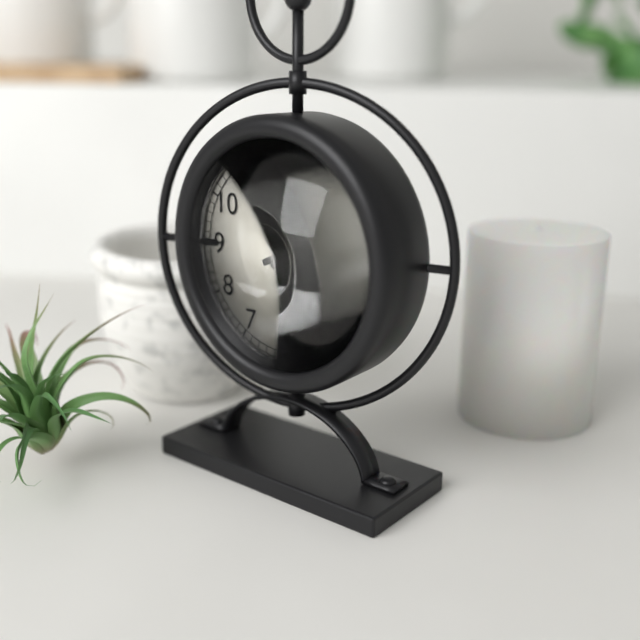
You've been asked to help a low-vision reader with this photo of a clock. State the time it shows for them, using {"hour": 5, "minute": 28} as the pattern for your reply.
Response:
{"hour": 1, "minute": 11}
